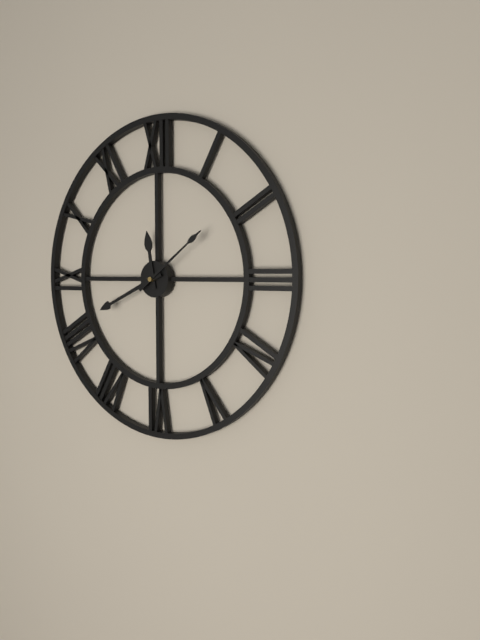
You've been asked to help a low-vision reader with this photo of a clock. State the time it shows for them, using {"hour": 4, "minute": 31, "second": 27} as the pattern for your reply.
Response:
{"hour": 11, "minute": 41, "second": 9}
